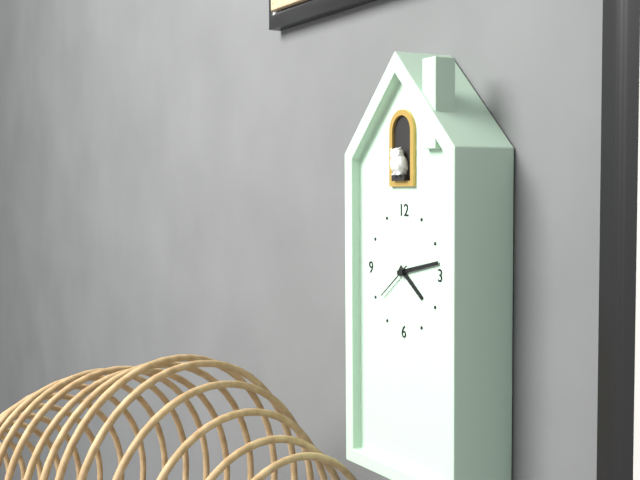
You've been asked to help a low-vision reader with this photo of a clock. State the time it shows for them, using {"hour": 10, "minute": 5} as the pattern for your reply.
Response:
{"hour": 4, "minute": 13}
